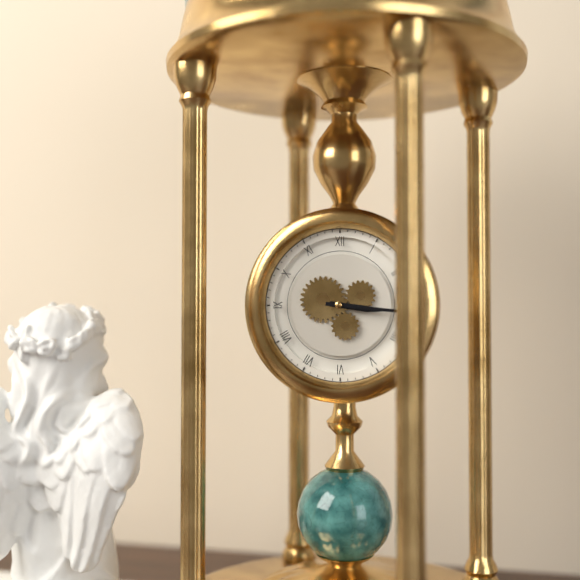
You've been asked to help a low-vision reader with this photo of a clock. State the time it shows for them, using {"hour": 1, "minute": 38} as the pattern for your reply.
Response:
{"hour": 3, "minute": 16}
